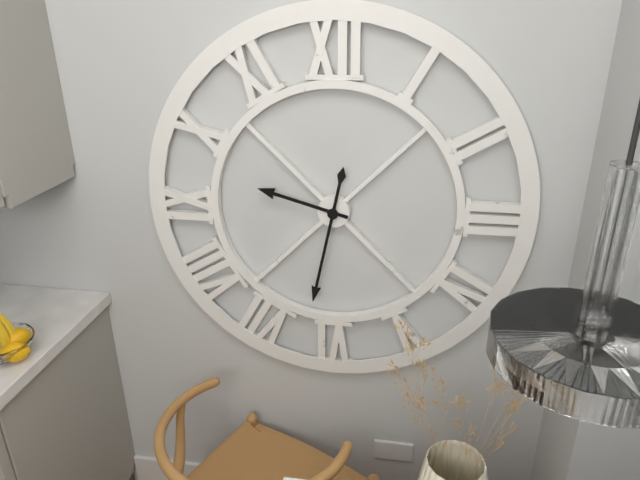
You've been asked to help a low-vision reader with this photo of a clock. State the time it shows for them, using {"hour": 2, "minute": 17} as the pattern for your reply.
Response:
{"hour": 9, "minute": 32}
